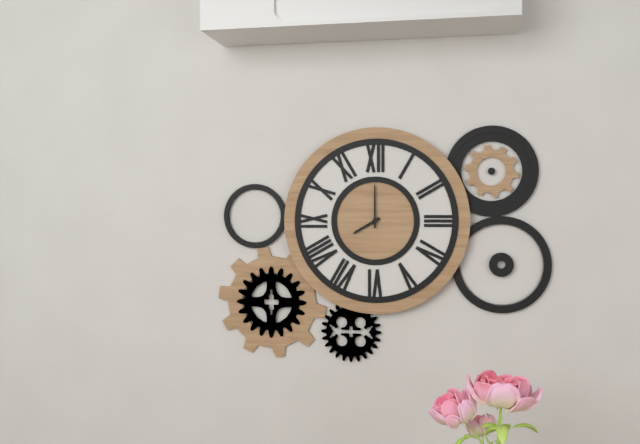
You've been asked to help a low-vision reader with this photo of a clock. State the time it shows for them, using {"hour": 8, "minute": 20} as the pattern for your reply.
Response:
{"hour": 8, "minute": 0}
